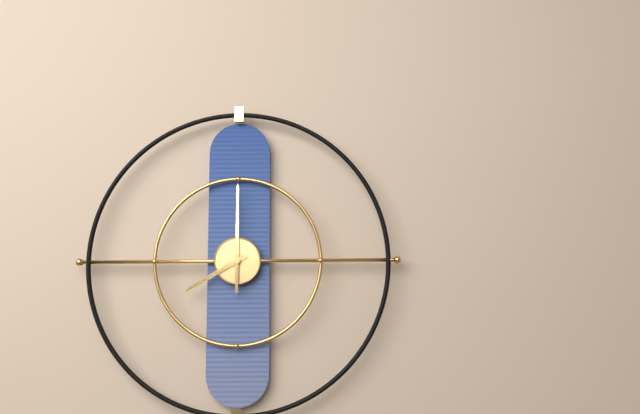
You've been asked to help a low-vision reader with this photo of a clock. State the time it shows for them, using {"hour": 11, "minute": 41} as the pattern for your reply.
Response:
{"hour": 8, "minute": 0}
